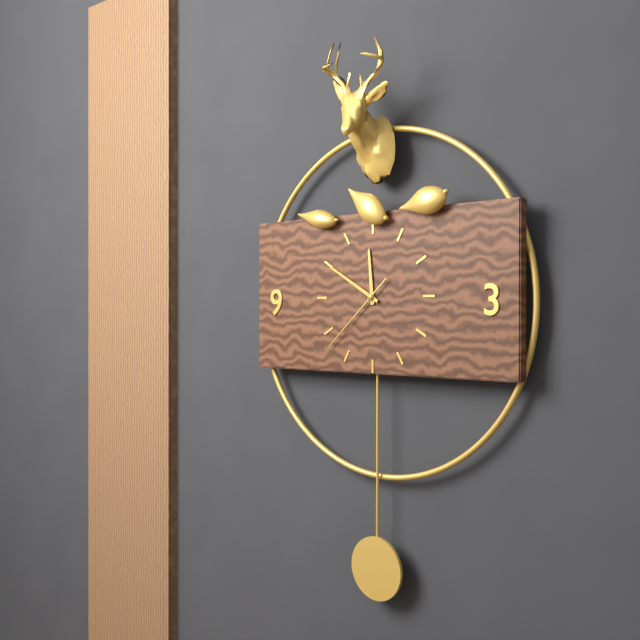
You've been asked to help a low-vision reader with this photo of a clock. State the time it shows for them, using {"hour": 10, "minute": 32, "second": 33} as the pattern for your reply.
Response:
{"hour": 11, "minute": 50, "second": 38}
